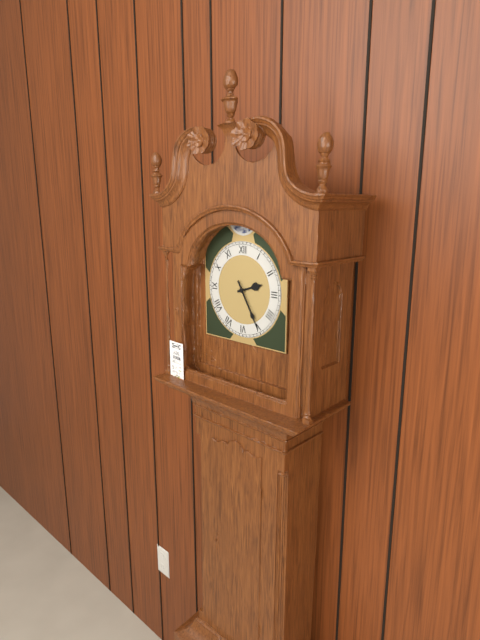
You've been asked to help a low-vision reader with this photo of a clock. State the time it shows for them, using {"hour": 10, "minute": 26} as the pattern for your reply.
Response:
{"hour": 2, "minute": 25}
